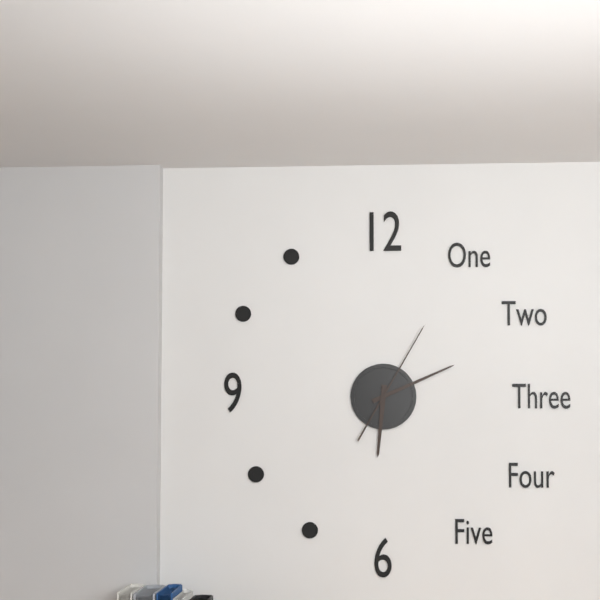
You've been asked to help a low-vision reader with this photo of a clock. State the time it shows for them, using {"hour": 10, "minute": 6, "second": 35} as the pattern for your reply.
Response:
{"hour": 6, "minute": 11, "second": 5}
